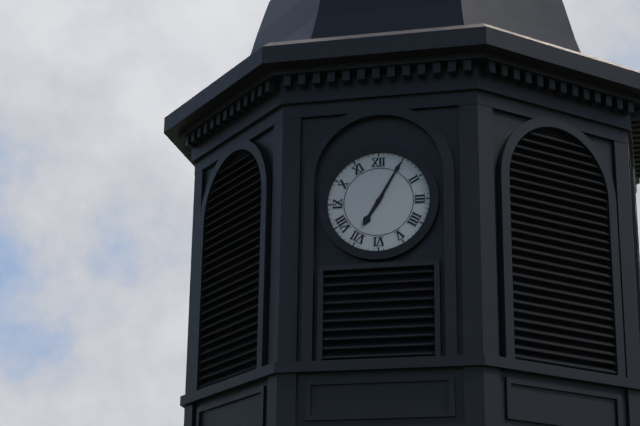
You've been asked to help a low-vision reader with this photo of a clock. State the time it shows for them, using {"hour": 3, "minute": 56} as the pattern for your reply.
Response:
{"hour": 7, "minute": 5}
